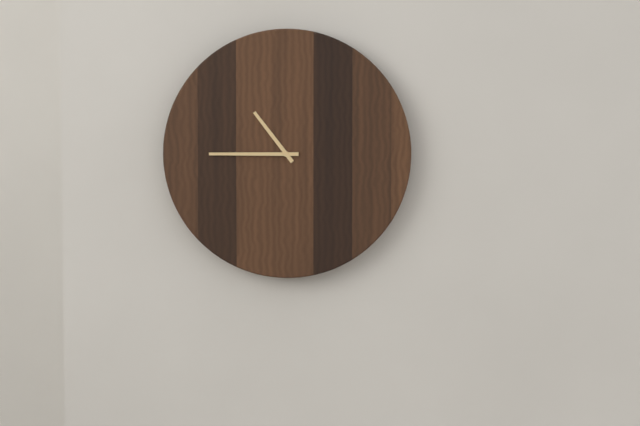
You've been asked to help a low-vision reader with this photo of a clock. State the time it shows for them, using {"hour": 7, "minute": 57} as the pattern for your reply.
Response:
{"hour": 10, "minute": 45}
